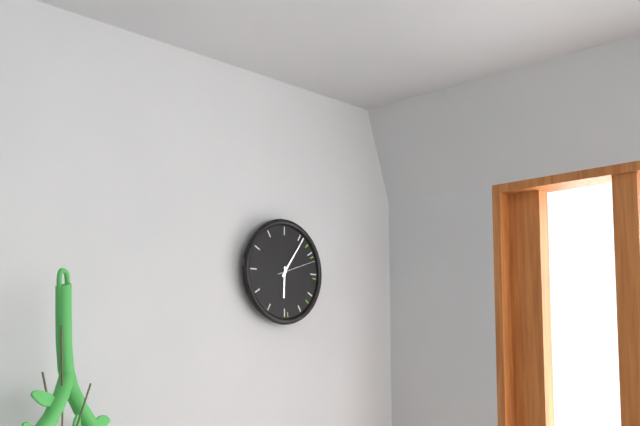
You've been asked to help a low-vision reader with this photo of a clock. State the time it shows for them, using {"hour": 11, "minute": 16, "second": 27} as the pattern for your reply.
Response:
{"hour": 6, "minute": 6, "second": 12}
